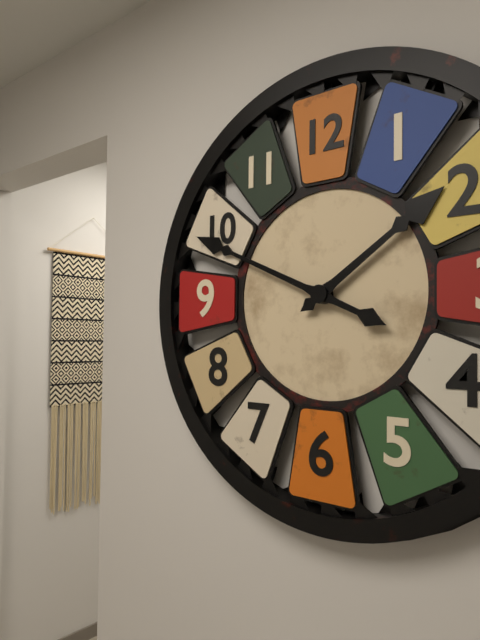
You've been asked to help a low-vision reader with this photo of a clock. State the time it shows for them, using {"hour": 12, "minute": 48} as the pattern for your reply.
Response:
{"hour": 1, "minute": 49}
